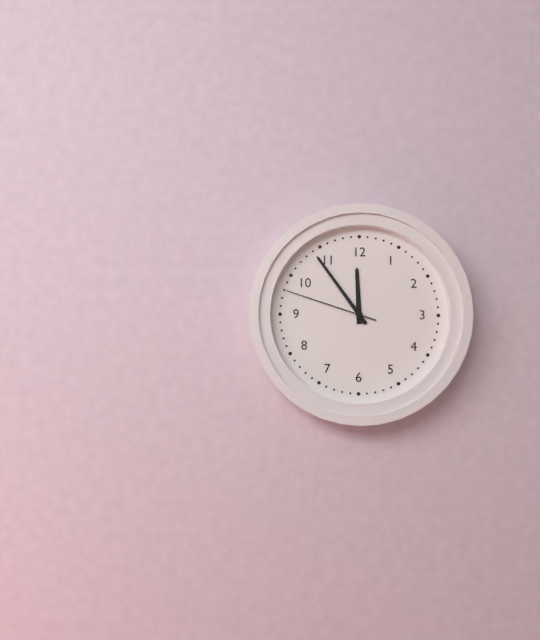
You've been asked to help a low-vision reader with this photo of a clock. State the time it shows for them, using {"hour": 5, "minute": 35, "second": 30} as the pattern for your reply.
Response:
{"hour": 11, "minute": 54, "second": 48}
